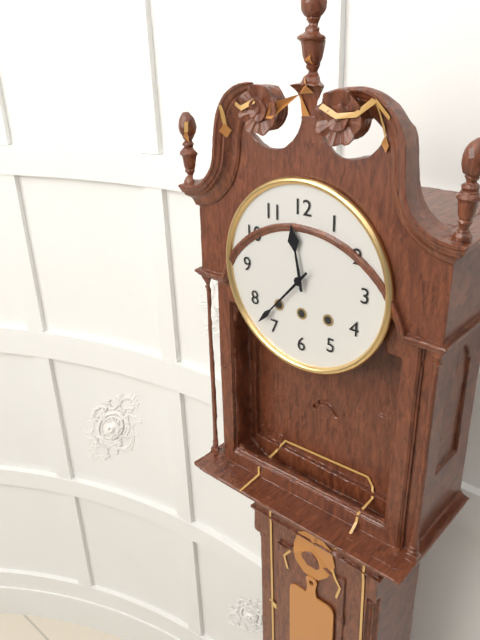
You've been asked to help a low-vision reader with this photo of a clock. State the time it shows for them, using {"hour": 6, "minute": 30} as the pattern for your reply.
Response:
{"hour": 11, "minute": 37}
